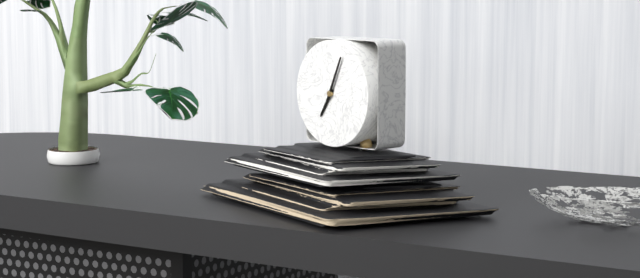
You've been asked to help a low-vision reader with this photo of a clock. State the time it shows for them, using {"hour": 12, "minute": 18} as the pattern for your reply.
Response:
{"hour": 7, "minute": 4}
